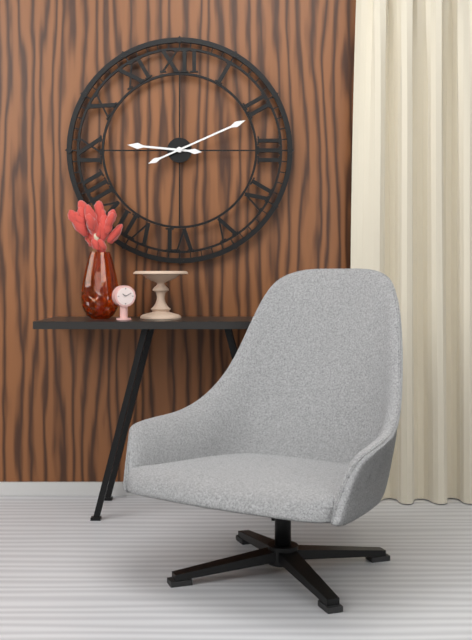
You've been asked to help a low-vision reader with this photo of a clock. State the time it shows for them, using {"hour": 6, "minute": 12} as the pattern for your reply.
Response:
{"hour": 9, "minute": 11}
